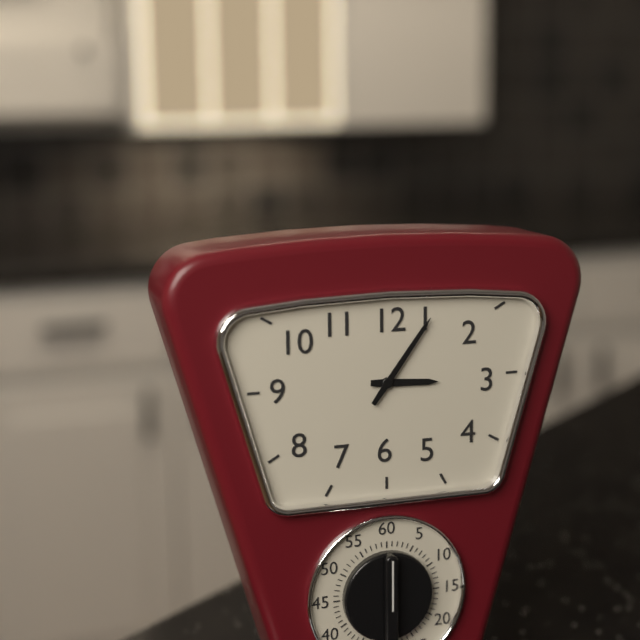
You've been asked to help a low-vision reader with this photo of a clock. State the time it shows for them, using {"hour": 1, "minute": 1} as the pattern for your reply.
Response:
{"hour": 3, "minute": 6}
